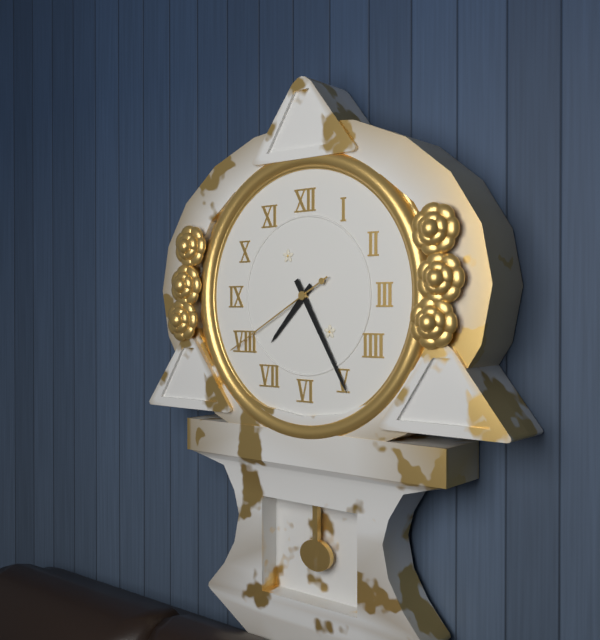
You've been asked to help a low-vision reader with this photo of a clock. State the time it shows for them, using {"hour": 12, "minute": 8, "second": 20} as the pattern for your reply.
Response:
{"hour": 7, "minute": 25, "second": 40}
